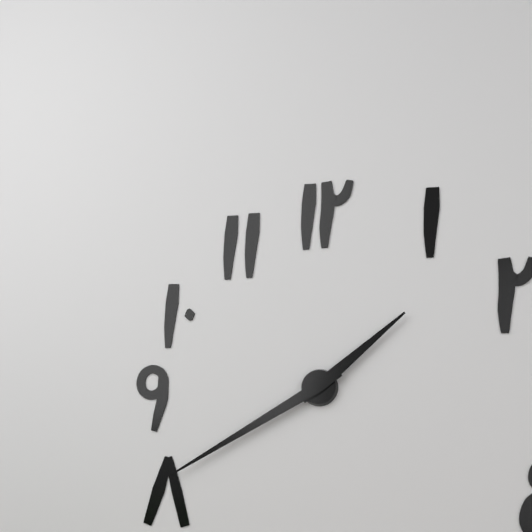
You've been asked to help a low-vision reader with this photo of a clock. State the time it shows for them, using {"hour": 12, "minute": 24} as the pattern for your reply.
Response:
{"hour": 1, "minute": 40}
